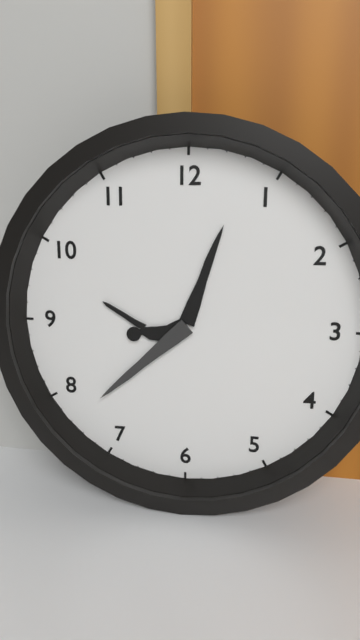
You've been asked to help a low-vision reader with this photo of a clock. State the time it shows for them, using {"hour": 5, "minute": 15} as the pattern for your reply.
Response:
{"hour": 12, "minute": 38}
